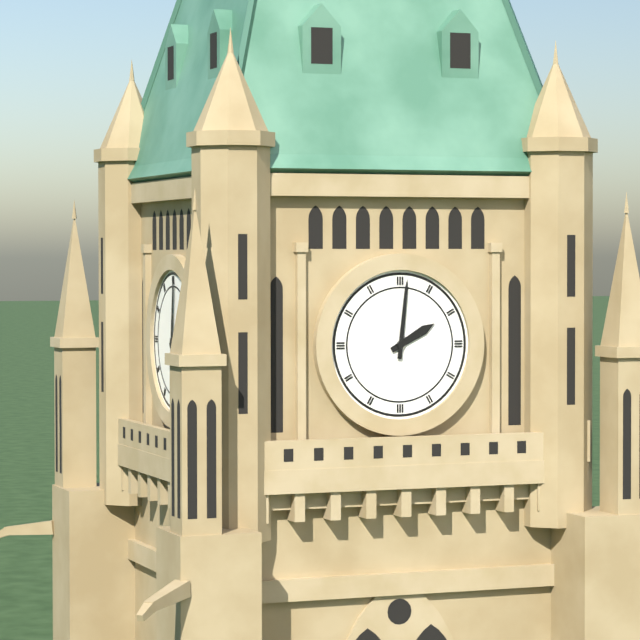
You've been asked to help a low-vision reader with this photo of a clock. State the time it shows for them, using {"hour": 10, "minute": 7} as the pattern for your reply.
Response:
{"hour": 2, "minute": 1}
